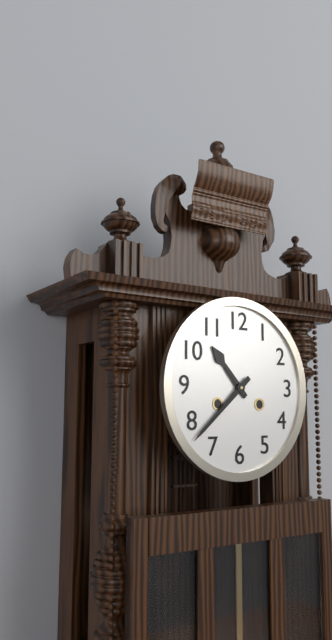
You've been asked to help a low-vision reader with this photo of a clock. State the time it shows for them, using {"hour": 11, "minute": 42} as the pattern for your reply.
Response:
{"hour": 10, "minute": 38}
